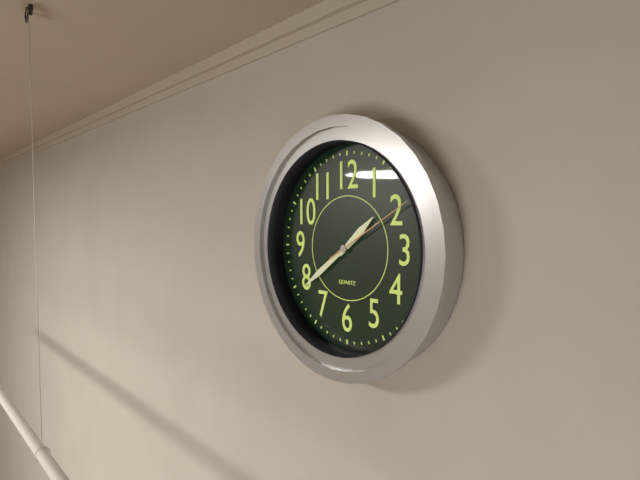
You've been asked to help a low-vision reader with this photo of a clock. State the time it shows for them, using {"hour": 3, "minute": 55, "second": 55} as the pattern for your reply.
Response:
{"hour": 1, "minute": 39, "second": 10}
